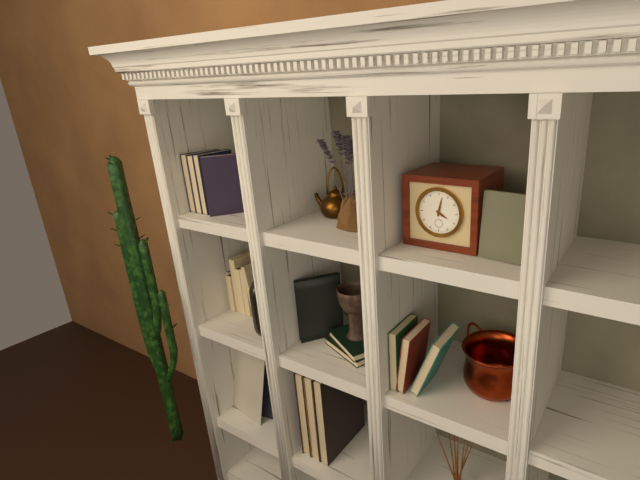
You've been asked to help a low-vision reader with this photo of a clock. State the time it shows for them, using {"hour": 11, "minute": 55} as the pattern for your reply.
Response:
{"hour": 4, "minute": 2}
